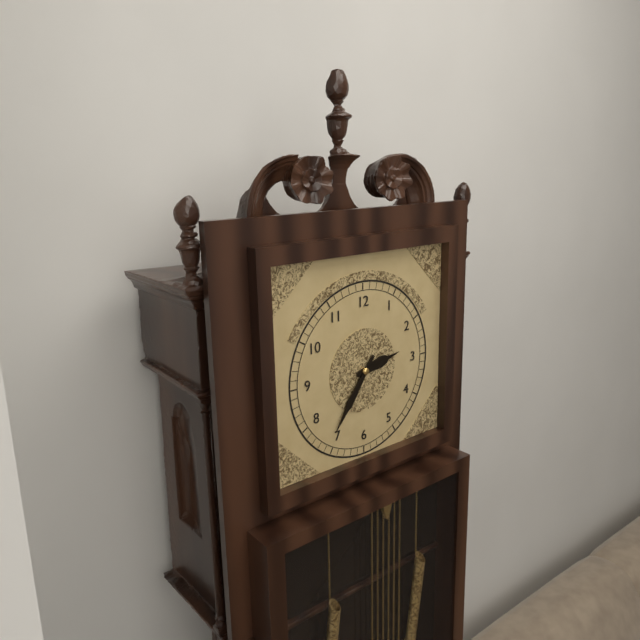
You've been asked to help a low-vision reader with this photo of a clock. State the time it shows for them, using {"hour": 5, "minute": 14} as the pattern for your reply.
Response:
{"hour": 2, "minute": 36}
